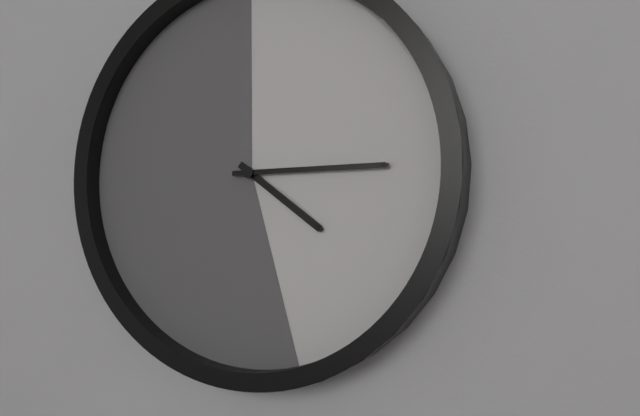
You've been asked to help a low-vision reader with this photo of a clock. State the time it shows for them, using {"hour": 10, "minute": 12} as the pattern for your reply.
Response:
{"hour": 4, "minute": 15}
